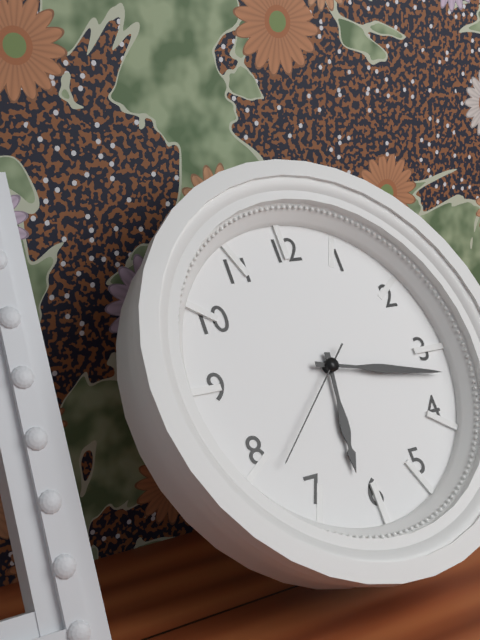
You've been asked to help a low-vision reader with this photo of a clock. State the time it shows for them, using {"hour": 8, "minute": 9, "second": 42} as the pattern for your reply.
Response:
{"hour": 6, "minute": 17, "second": 38}
